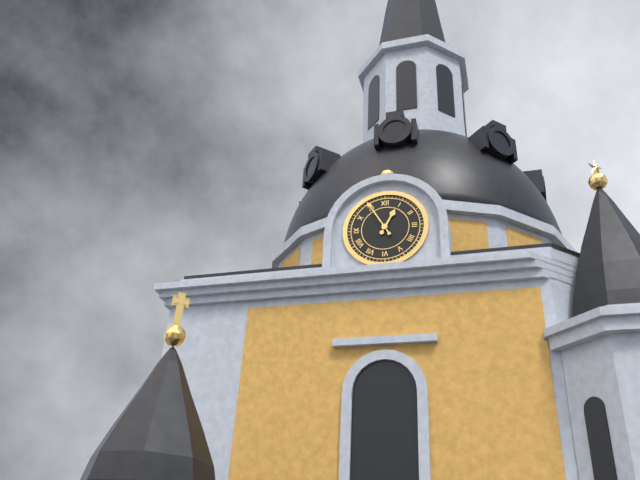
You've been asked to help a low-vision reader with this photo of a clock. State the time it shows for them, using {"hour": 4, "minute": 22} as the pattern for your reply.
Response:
{"hour": 12, "minute": 55}
